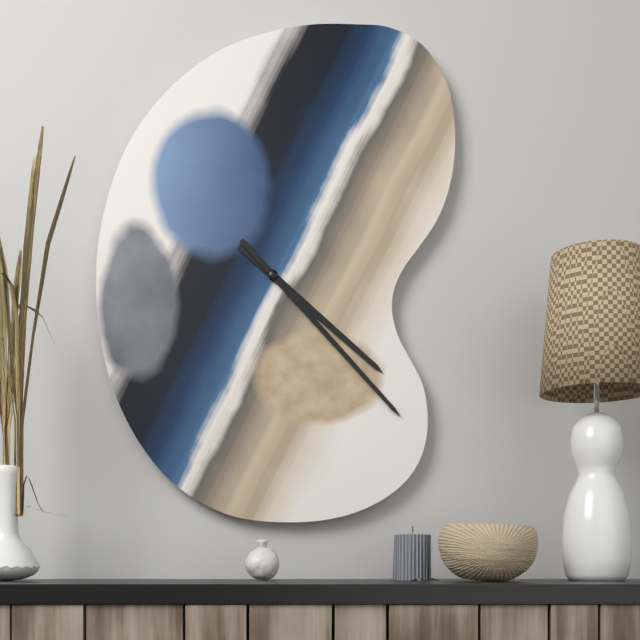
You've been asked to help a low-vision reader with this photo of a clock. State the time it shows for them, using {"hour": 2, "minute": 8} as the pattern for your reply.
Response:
{"hour": 4, "minute": 23}
